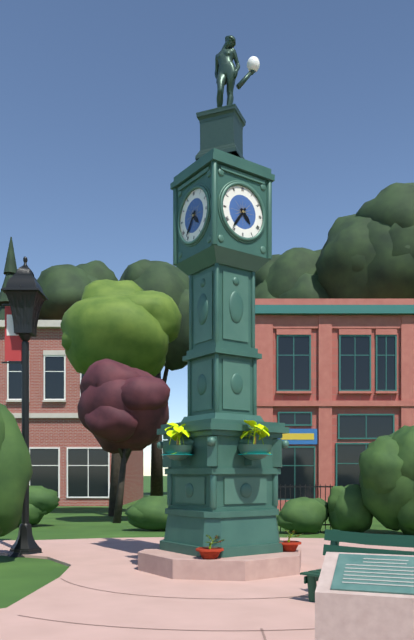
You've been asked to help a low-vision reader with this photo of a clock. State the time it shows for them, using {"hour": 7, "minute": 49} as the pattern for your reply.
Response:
{"hour": 4, "minute": 36}
